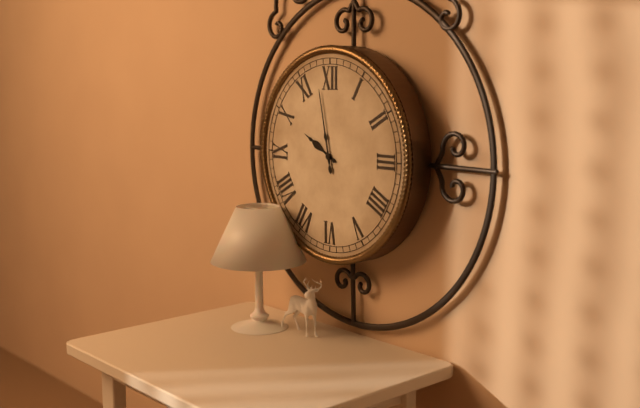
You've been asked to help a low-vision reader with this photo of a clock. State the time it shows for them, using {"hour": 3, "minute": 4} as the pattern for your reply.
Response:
{"hour": 9, "minute": 58}
